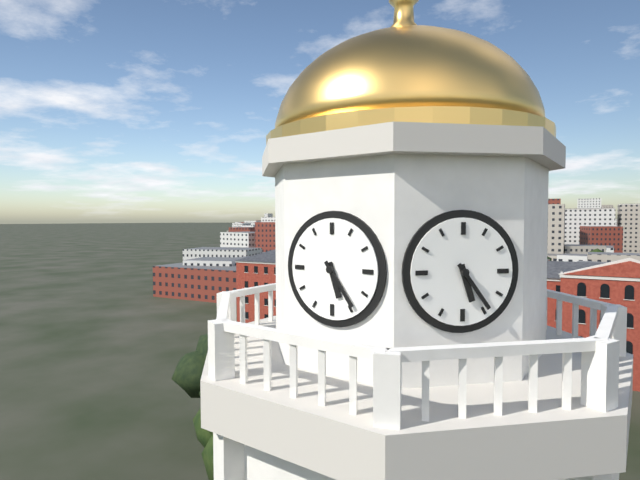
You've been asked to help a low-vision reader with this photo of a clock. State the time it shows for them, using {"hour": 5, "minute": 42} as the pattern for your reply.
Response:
{"hour": 5, "minute": 24}
